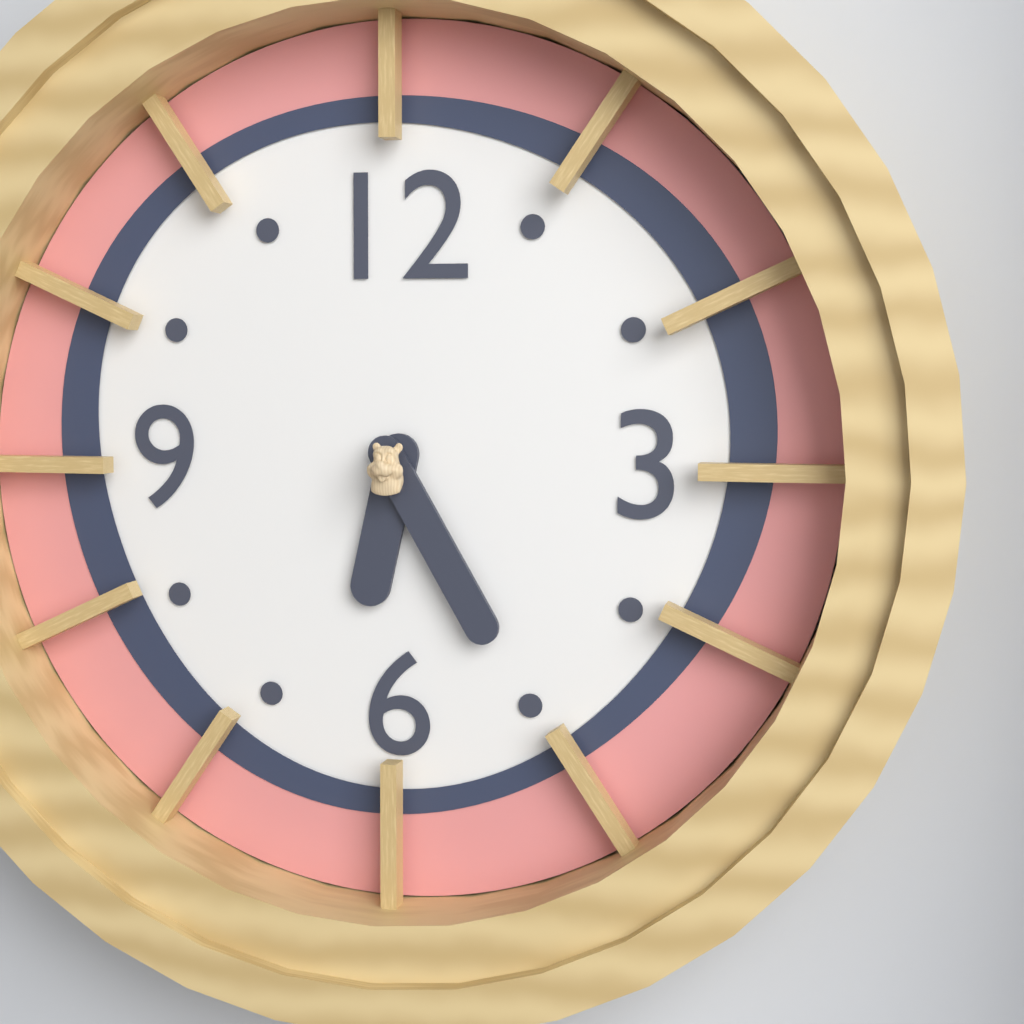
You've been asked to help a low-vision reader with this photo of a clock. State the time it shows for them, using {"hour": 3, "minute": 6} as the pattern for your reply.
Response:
{"hour": 6, "minute": 25}
